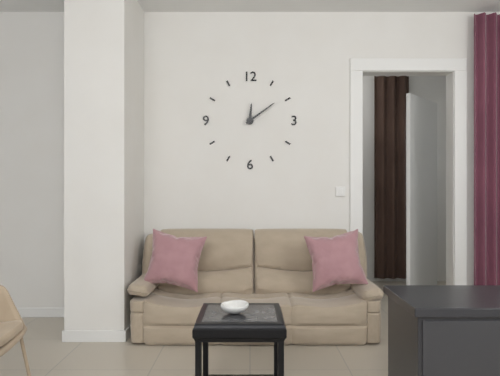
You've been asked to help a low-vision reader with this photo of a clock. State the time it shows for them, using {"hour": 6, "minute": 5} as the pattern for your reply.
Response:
{"hour": 12, "minute": 9}
